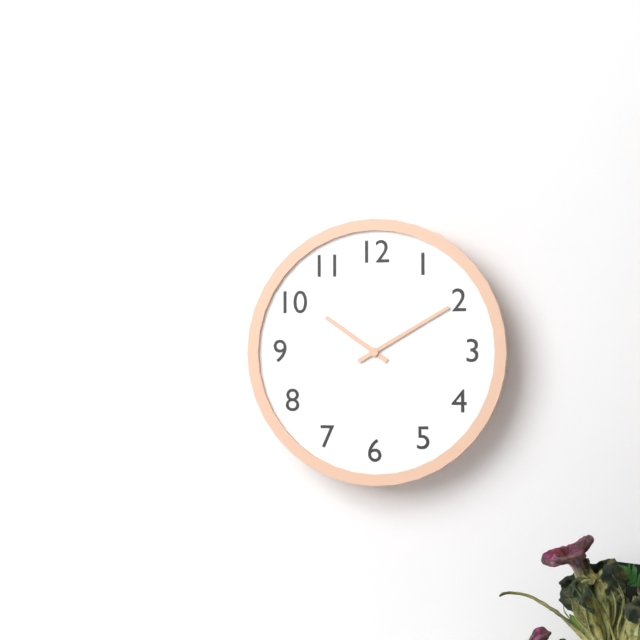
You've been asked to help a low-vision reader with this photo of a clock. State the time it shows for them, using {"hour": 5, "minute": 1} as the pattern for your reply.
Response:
{"hour": 10, "minute": 10}
